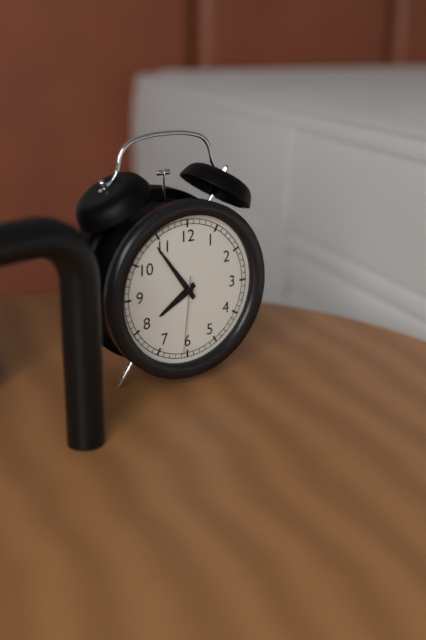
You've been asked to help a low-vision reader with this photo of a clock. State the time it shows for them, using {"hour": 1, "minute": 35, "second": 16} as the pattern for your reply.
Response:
{"hour": 7, "minute": 54, "second": 31}
